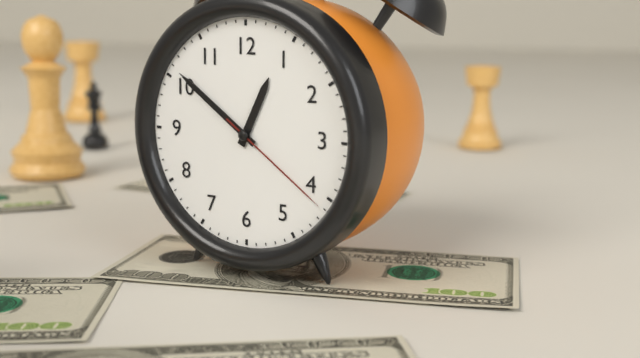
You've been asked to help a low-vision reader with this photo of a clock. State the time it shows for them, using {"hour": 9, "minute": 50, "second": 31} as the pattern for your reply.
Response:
{"hour": 12, "minute": 51, "second": 21}
